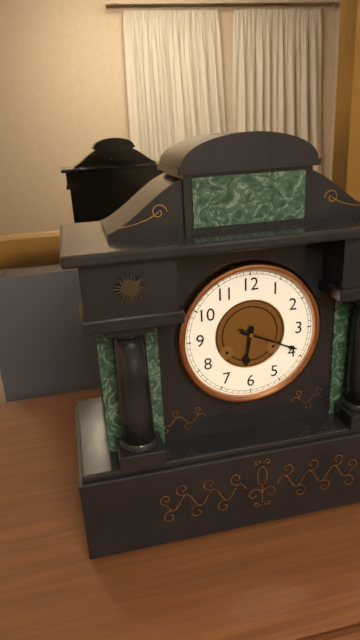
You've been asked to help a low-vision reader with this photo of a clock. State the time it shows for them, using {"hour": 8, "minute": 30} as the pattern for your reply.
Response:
{"hour": 6, "minute": 19}
